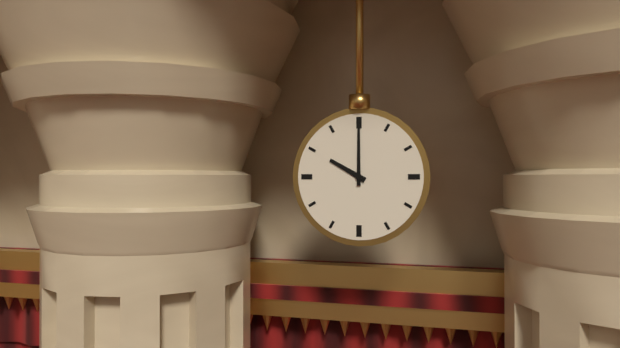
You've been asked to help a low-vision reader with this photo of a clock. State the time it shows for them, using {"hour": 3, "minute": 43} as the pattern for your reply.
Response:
{"hour": 10, "minute": 0}
